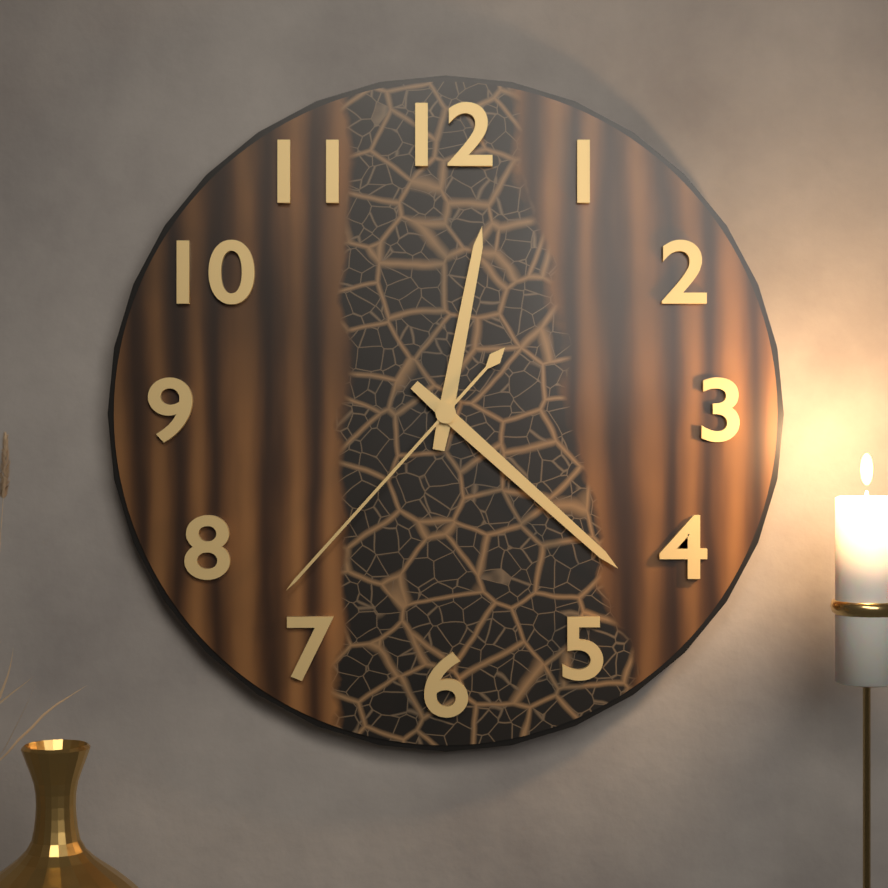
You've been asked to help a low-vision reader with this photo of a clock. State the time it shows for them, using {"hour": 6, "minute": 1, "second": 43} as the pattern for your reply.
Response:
{"hour": 12, "minute": 22, "second": 37}
